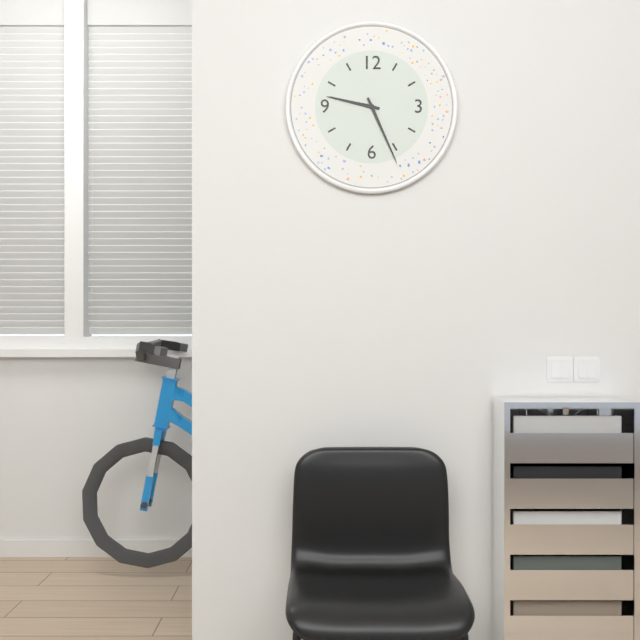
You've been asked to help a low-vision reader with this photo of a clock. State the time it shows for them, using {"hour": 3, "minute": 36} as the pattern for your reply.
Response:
{"hour": 9, "minute": 26}
